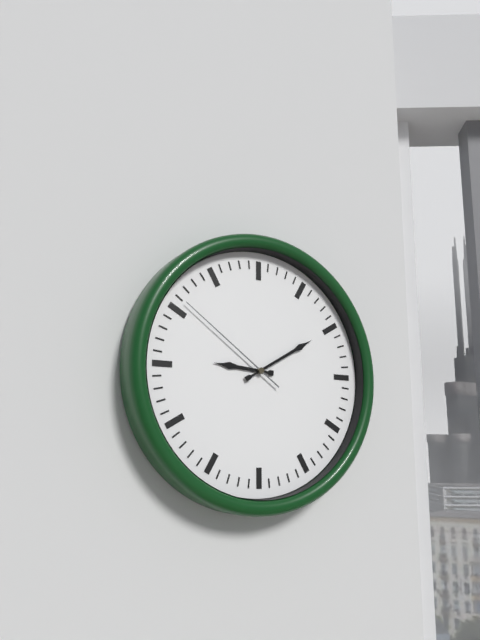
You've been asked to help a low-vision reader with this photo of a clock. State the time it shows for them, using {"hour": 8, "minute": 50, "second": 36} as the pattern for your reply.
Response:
{"hour": 9, "minute": 10, "second": 51}
